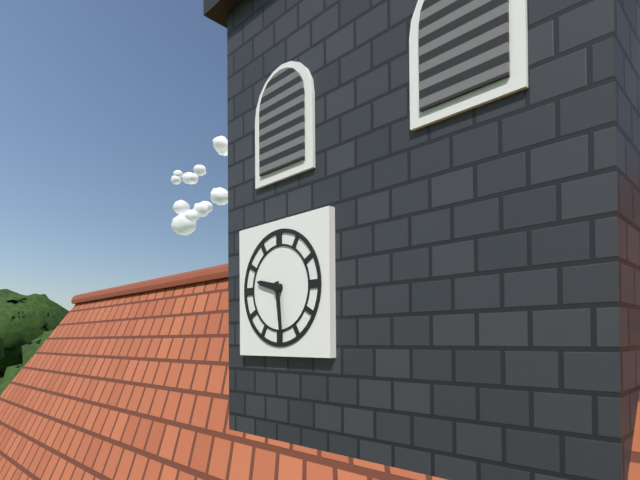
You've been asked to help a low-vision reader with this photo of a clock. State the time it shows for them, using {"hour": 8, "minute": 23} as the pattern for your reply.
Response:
{"hour": 9, "minute": 29}
